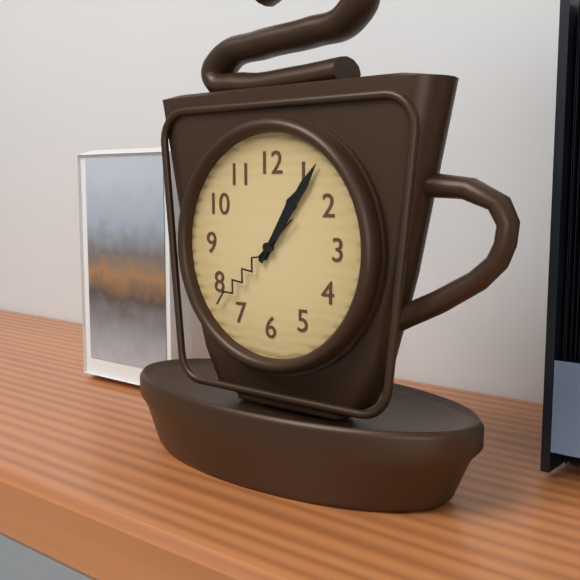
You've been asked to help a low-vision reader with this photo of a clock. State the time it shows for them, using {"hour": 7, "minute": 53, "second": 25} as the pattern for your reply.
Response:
{"hour": 1, "minute": 6, "second": 38}
